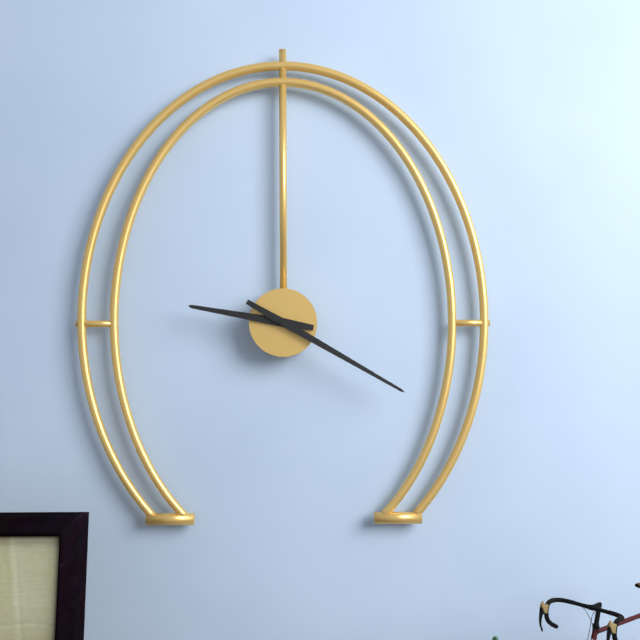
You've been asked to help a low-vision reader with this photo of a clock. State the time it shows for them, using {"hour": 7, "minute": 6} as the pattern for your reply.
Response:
{"hour": 9, "minute": 20}
